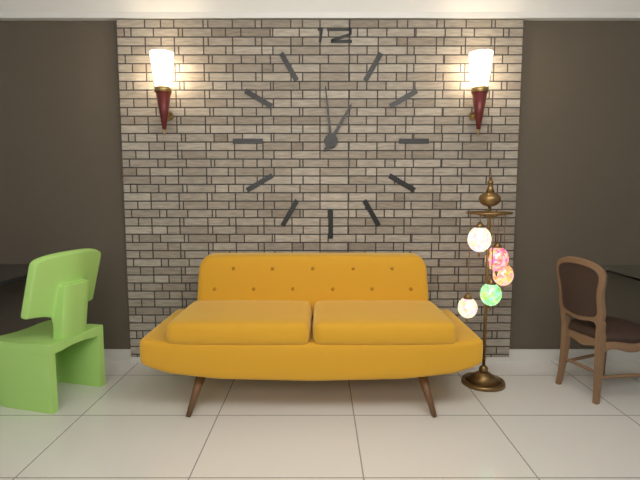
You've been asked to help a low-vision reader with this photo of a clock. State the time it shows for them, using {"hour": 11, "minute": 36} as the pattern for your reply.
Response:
{"hour": 12, "minute": 59}
